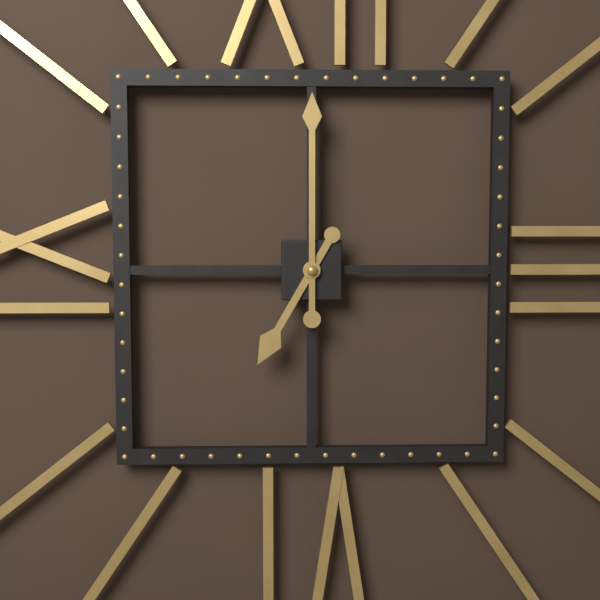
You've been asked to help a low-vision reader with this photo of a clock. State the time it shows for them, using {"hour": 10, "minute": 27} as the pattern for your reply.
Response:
{"hour": 7, "minute": 0}
